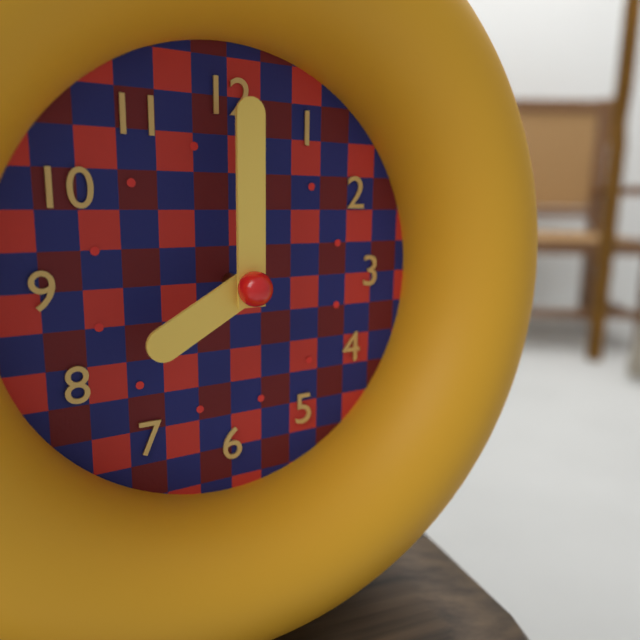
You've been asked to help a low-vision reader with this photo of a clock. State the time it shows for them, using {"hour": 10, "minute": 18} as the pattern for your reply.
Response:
{"hour": 8, "minute": 0}
